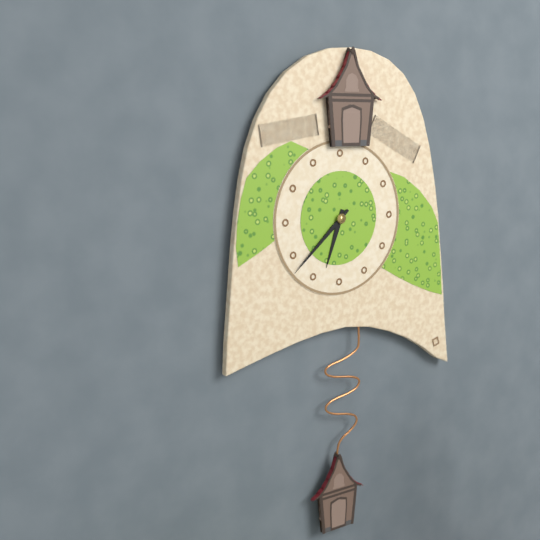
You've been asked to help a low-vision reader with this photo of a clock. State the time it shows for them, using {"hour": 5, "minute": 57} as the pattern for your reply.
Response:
{"hour": 6, "minute": 38}
